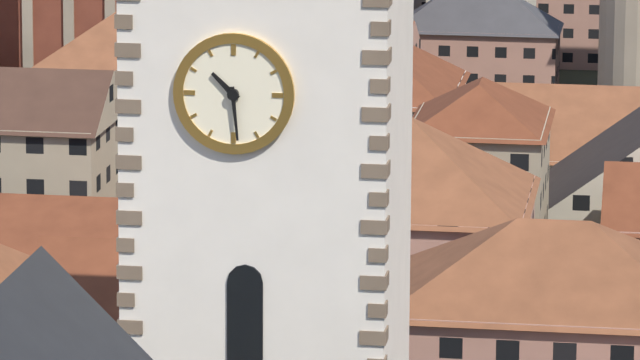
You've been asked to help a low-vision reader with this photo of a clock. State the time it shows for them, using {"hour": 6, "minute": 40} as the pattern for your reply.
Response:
{"hour": 10, "minute": 29}
